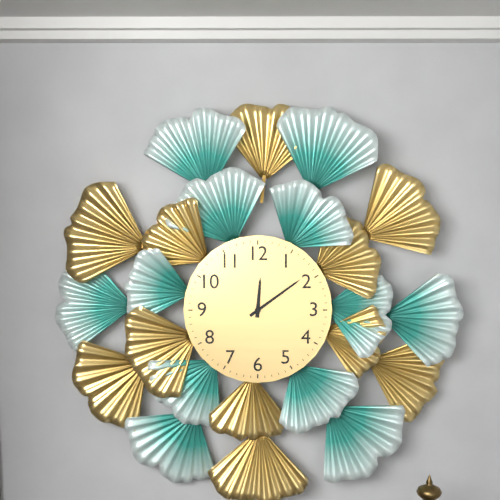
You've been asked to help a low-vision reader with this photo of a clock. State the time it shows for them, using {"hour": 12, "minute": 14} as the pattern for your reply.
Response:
{"hour": 12, "minute": 9}
